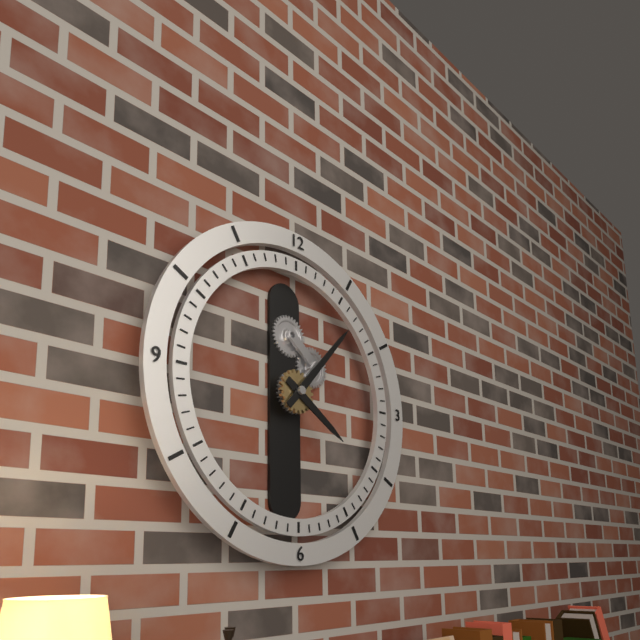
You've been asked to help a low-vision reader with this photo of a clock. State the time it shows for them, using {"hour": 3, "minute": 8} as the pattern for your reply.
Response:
{"hour": 4, "minute": 7}
